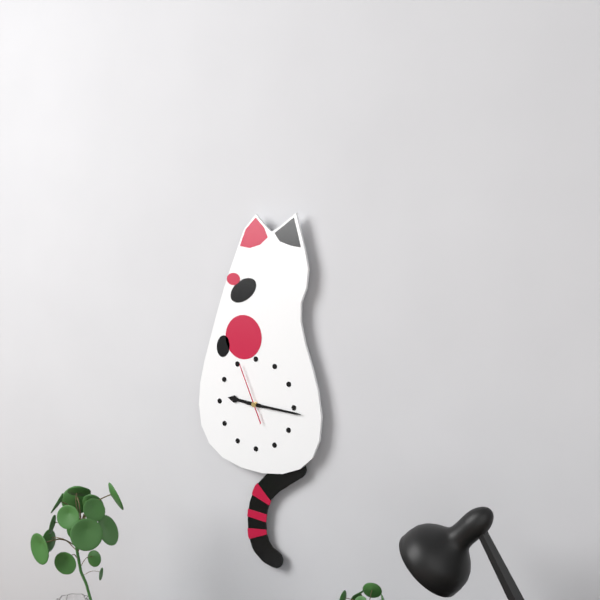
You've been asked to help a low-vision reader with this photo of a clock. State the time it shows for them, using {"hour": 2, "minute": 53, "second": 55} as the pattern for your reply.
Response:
{"hour": 9, "minute": 16, "second": 56}
